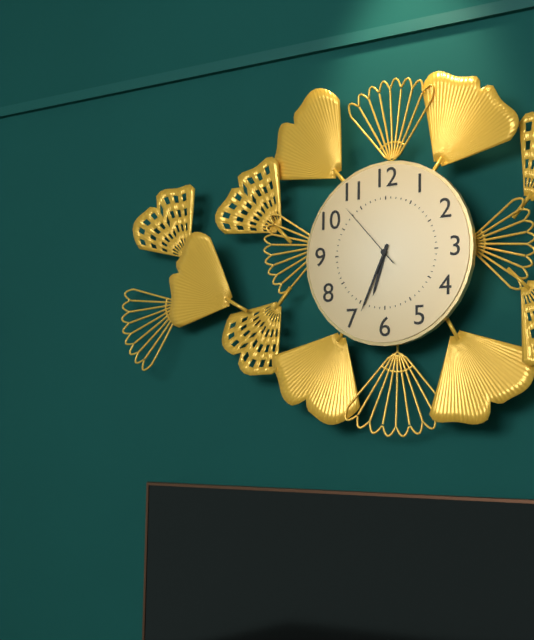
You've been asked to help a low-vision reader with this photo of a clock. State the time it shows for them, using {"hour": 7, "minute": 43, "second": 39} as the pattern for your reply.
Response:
{"hour": 6, "minute": 34, "second": 53}
